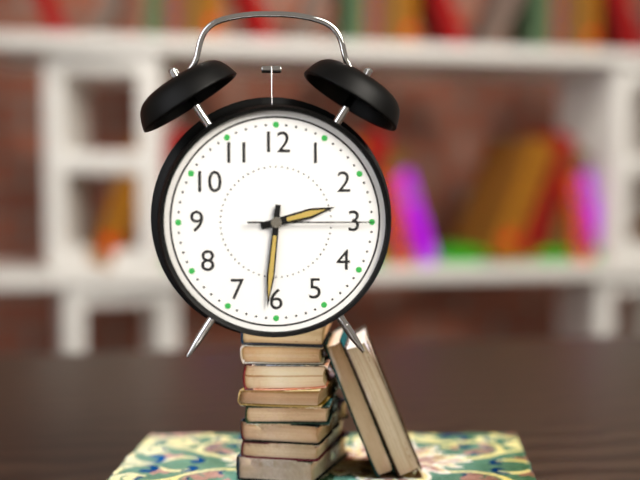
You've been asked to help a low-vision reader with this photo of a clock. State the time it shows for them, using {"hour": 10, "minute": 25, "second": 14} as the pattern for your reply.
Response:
{"hour": 2, "minute": 31, "second": 15}
